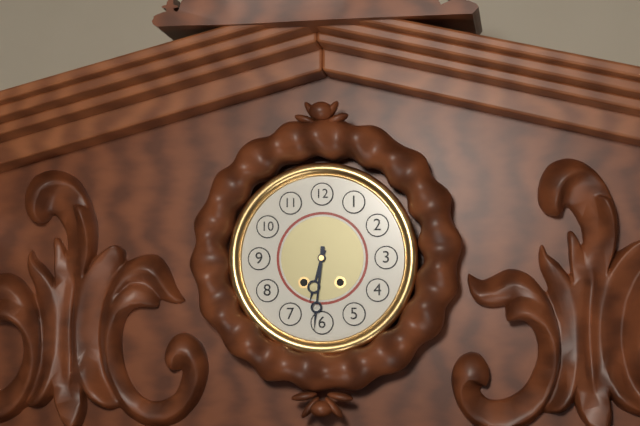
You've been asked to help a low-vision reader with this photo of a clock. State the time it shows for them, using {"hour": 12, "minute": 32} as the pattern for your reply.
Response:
{"hour": 6, "minute": 31}
